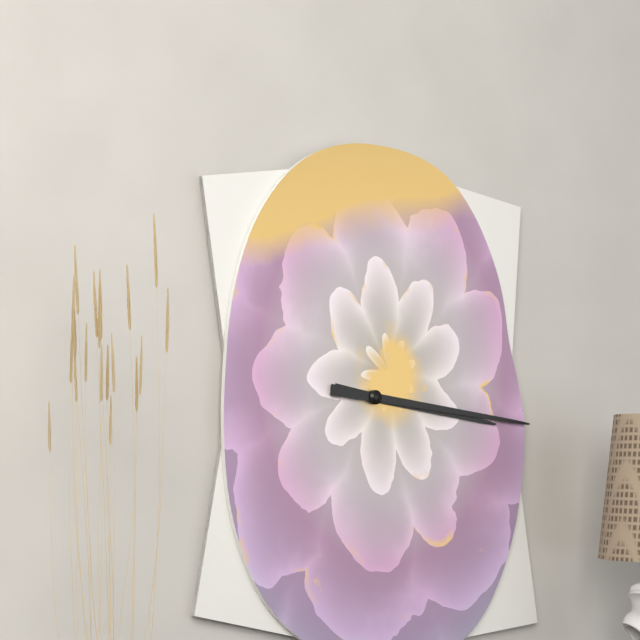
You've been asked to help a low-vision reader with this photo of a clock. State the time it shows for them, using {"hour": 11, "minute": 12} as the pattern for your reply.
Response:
{"hour": 3, "minute": 16}
